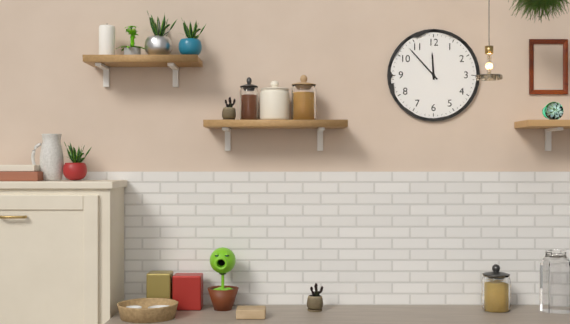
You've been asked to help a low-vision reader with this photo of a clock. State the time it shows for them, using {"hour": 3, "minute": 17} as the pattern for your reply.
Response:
{"hour": 11, "minute": 53}
